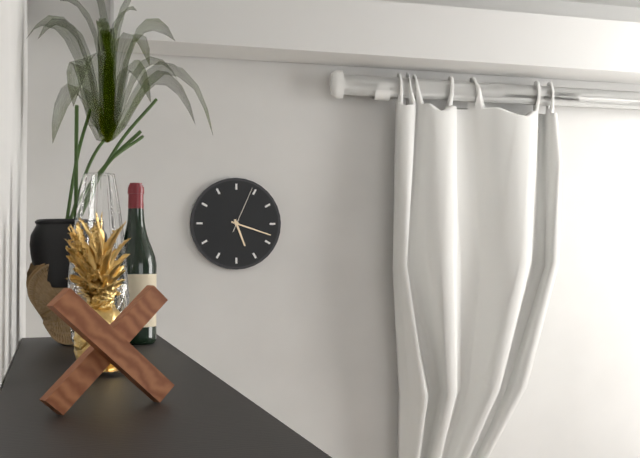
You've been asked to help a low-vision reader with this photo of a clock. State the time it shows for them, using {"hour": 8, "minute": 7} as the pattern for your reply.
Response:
{"hour": 5, "minute": 18}
